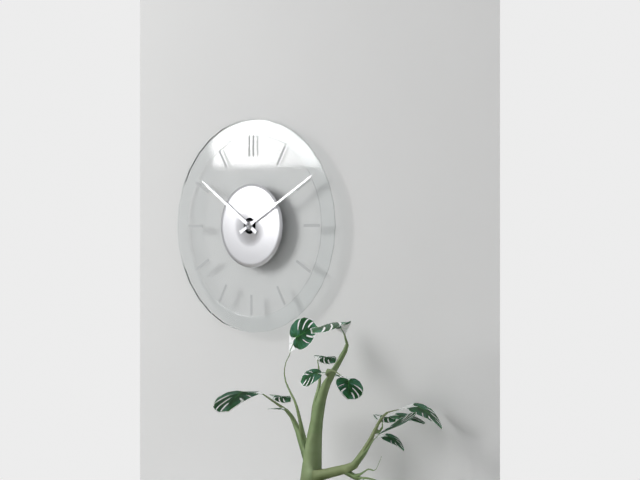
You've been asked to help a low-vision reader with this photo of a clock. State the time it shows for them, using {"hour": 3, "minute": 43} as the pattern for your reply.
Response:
{"hour": 10, "minute": 10}
